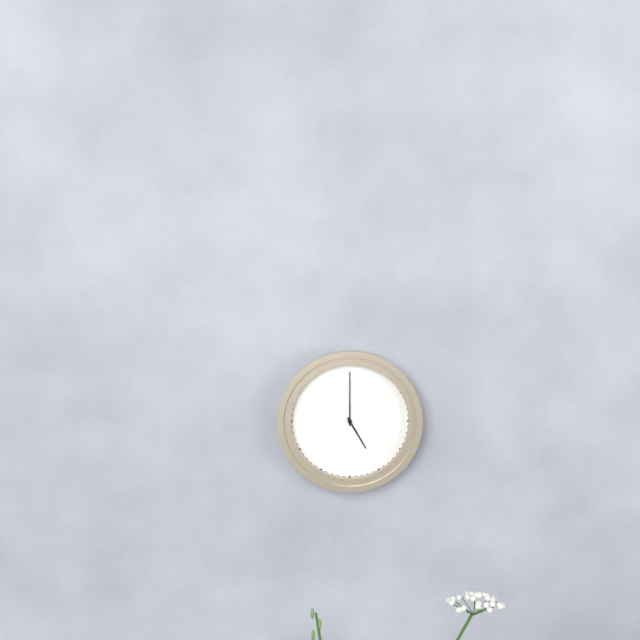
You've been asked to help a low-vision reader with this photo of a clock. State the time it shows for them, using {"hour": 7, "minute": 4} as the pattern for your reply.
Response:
{"hour": 5, "minute": 0}
